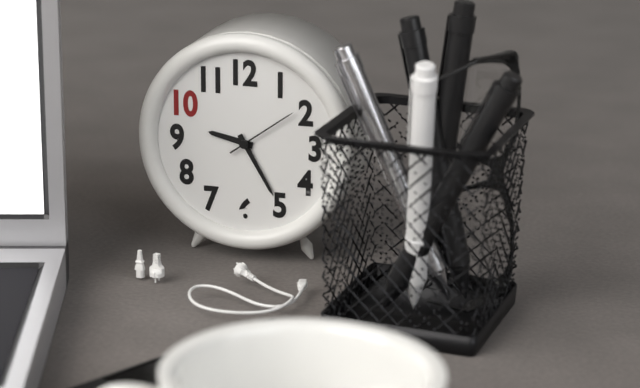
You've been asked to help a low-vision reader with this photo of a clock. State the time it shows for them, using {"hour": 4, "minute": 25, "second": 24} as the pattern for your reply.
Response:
{"hour": 9, "minute": 25, "second": 9}
